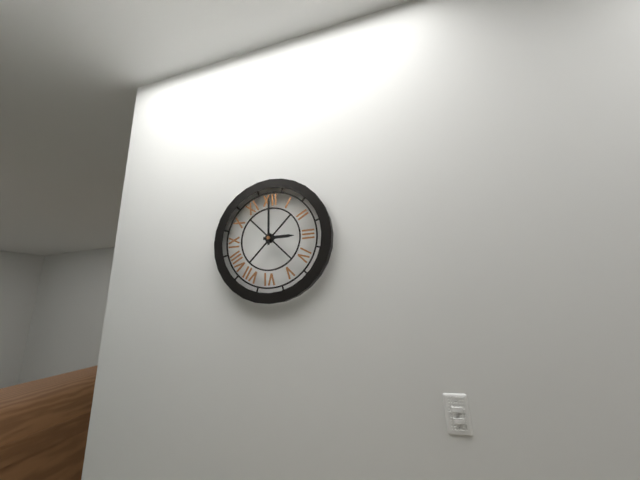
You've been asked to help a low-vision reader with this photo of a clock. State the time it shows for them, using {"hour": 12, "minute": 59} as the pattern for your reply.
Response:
{"hour": 3, "minute": 0}
